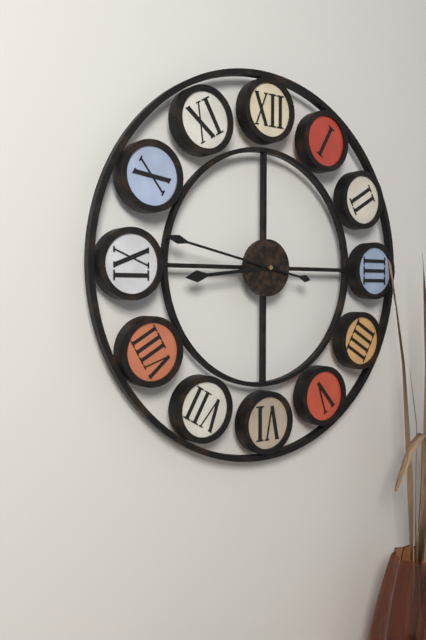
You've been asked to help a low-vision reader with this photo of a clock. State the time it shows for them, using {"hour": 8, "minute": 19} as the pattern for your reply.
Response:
{"hour": 8, "minute": 47}
